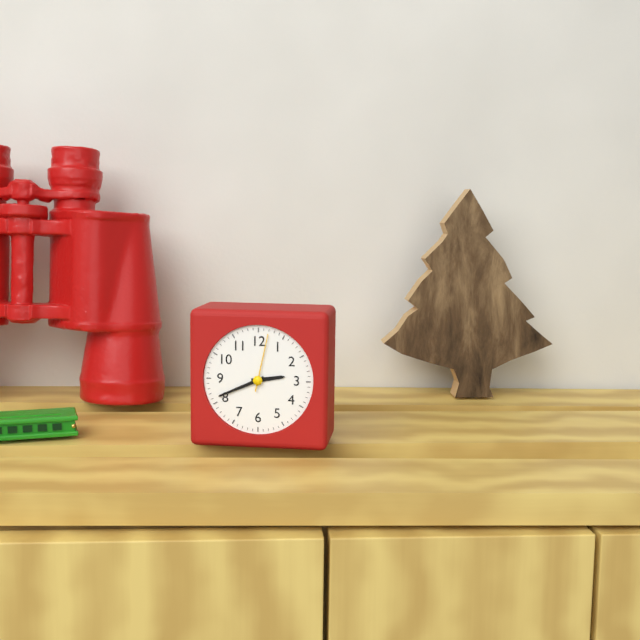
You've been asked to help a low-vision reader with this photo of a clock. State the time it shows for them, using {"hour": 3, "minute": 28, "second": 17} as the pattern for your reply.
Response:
{"hour": 2, "minute": 41, "second": 2}
